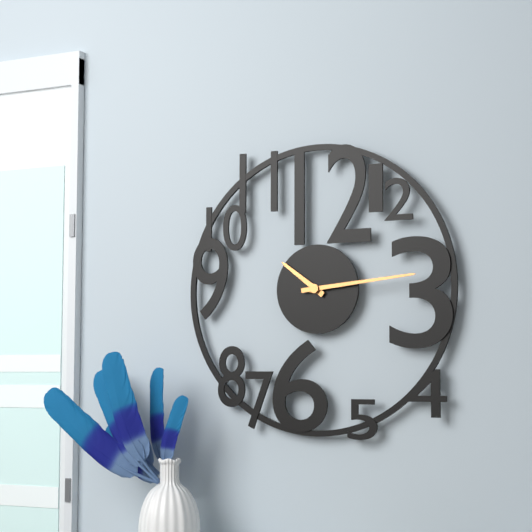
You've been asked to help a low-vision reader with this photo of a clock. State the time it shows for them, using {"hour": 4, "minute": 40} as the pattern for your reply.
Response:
{"hour": 10, "minute": 14}
